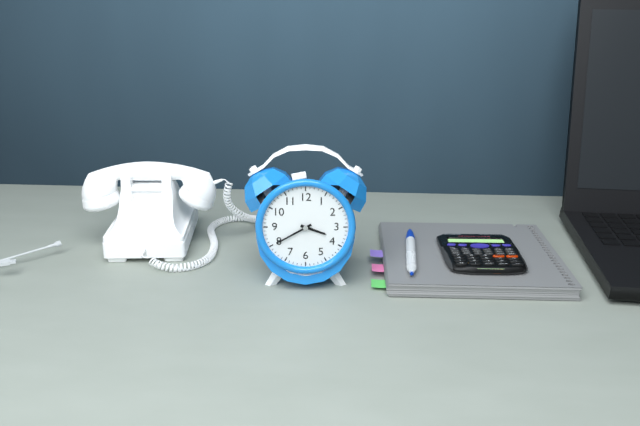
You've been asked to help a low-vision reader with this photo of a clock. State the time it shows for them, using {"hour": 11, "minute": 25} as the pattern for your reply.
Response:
{"hour": 3, "minute": 40}
